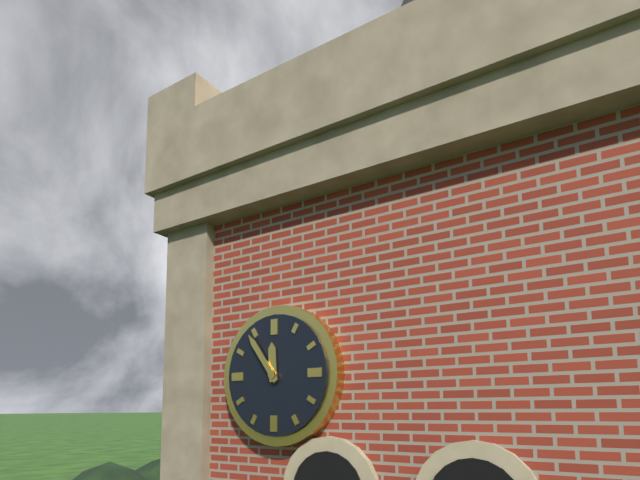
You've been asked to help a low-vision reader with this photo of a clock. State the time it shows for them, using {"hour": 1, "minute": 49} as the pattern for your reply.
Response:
{"hour": 11, "minute": 54}
